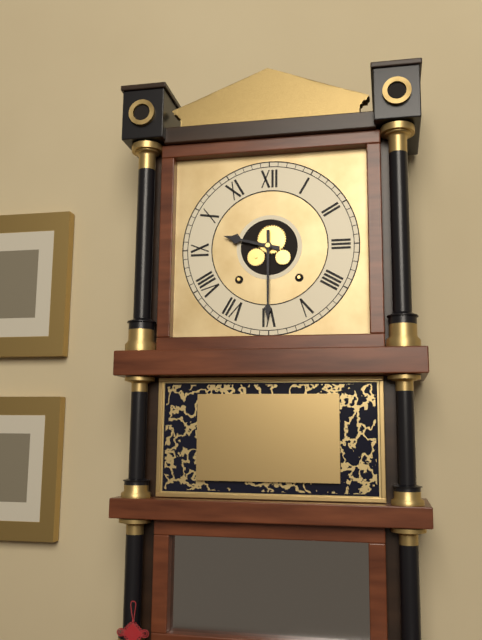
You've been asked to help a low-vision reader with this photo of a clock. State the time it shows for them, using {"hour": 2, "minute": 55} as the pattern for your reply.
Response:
{"hour": 9, "minute": 30}
